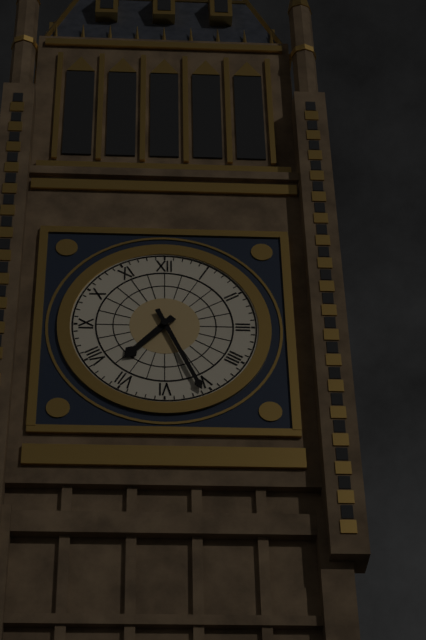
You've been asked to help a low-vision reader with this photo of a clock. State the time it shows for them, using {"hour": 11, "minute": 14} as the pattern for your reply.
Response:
{"hour": 7, "minute": 26}
